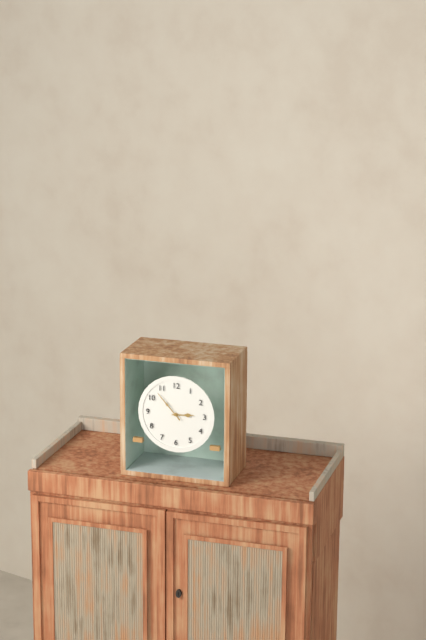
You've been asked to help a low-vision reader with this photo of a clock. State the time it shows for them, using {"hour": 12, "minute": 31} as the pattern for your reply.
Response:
{"hour": 2, "minute": 53}
